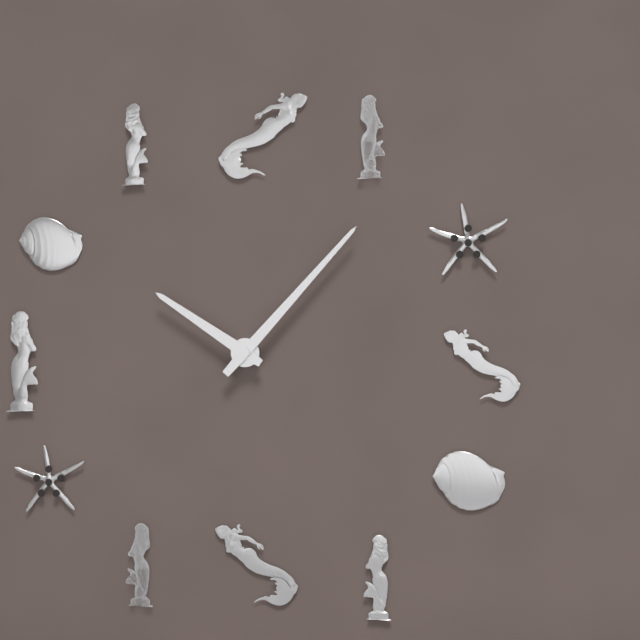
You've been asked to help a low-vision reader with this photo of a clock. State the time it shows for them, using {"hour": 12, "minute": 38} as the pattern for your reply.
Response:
{"hour": 10, "minute": 7}
